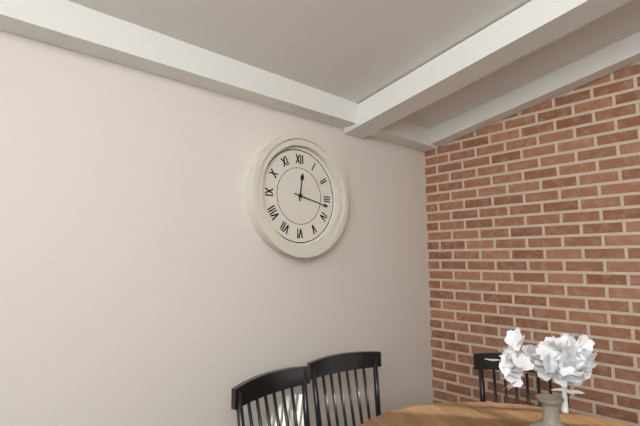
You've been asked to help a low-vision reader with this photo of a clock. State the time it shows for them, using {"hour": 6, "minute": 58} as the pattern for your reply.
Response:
{"hour": 12, "minute": 17}
